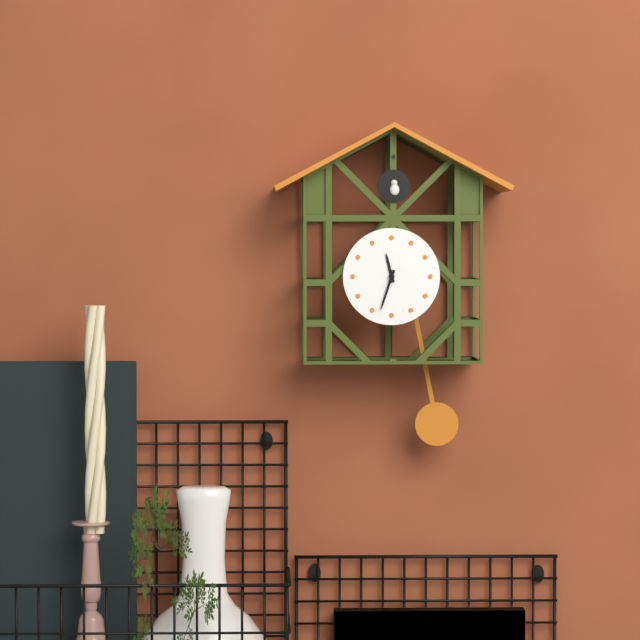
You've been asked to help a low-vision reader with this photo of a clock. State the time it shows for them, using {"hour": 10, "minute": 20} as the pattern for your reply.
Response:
{"hour": 11, "minute": 33}
